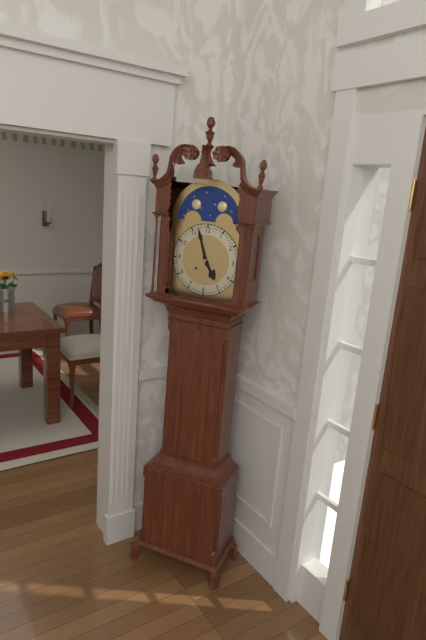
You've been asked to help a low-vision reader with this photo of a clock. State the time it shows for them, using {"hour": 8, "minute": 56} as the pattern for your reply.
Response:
{"hour": 4, "minute": 57}
